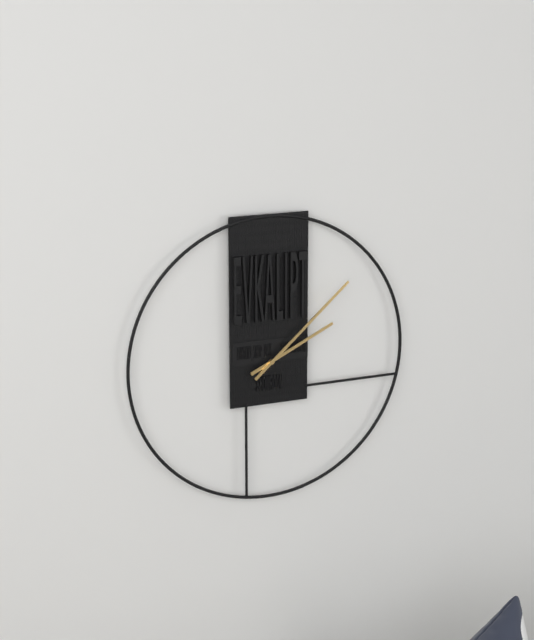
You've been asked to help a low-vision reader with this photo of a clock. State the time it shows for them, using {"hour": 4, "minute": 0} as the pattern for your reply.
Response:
{"hour": 2, "minute": 8}
